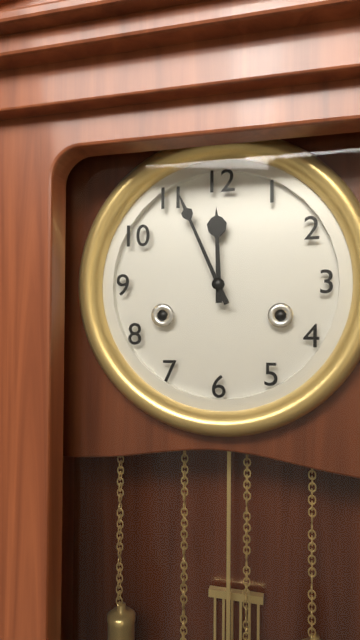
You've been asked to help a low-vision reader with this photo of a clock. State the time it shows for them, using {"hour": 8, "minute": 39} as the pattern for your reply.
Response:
{"hour": 11, "minute": 56}
